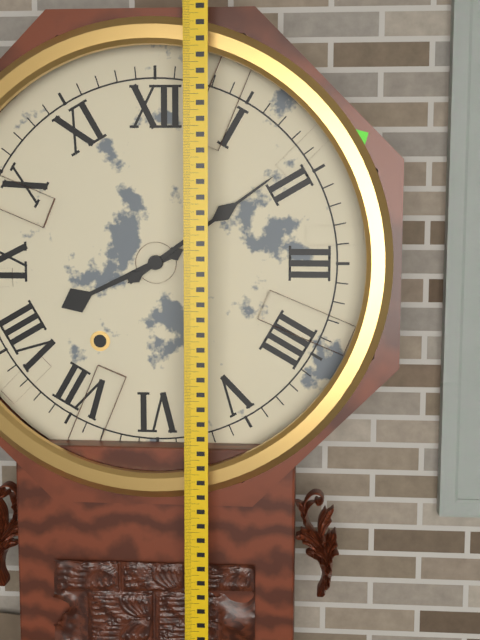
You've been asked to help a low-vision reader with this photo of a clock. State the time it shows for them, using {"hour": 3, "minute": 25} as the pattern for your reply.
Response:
{"hour": 8, "minute": 9}
